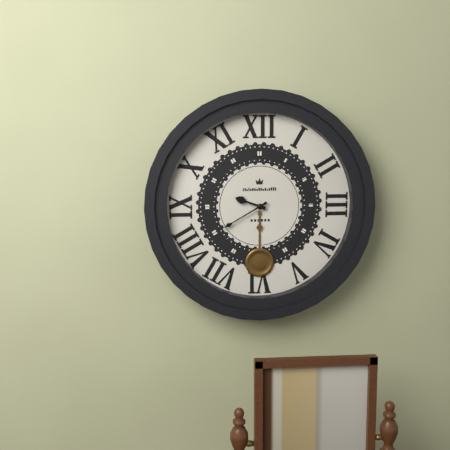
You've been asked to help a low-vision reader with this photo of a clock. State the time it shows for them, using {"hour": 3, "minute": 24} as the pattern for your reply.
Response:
{"hour": 9, "minute": 40}
